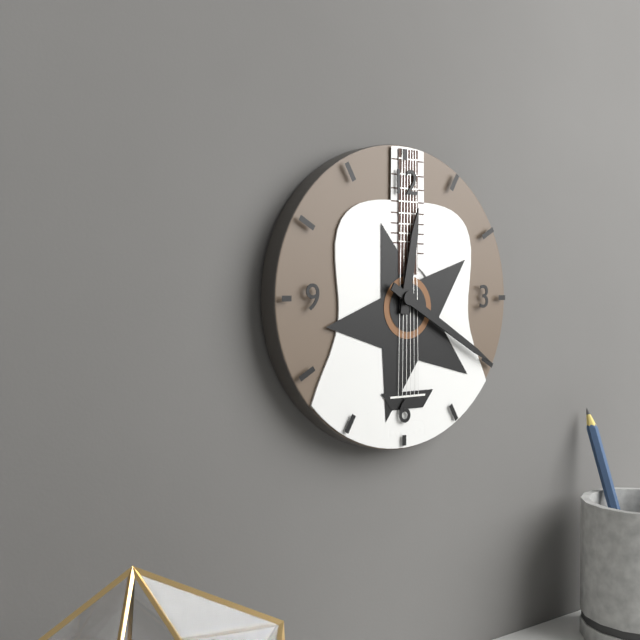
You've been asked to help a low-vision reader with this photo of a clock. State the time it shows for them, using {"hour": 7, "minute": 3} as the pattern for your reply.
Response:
{"hour": 12, "minute": 20}
